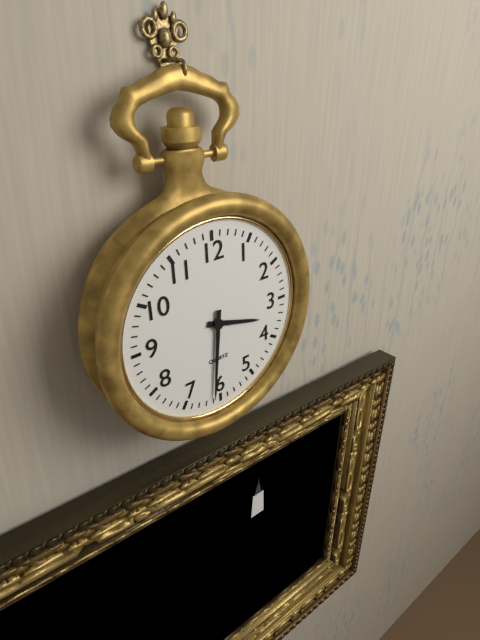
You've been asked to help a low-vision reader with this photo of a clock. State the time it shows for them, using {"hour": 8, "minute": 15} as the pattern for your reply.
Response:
{"hour": 3, "minute": 31}
